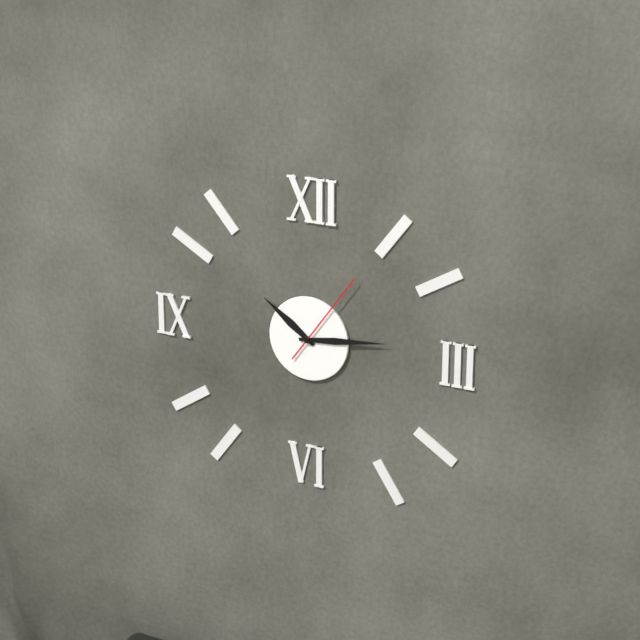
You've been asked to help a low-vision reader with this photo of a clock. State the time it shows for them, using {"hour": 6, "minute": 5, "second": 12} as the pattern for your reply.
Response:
{"hour": 10, "minute": 14, "second": 6}
